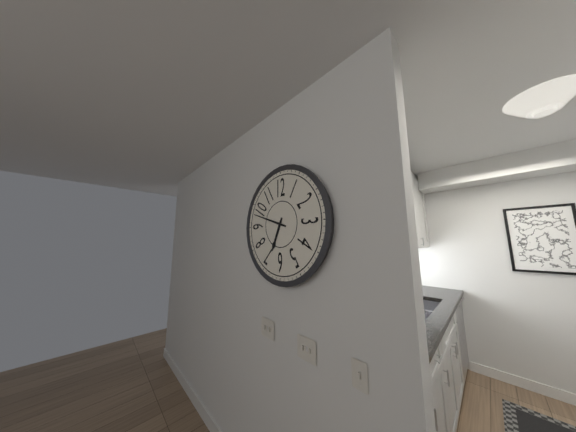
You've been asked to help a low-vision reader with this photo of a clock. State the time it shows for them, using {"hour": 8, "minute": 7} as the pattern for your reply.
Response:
{"hour": 6, "minute": 48}
